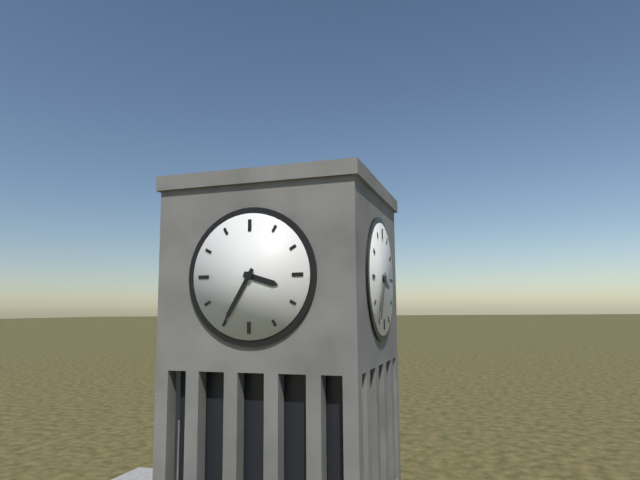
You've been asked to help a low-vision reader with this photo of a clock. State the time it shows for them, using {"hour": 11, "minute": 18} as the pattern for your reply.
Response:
{"hour": 3, "minute": 35}
